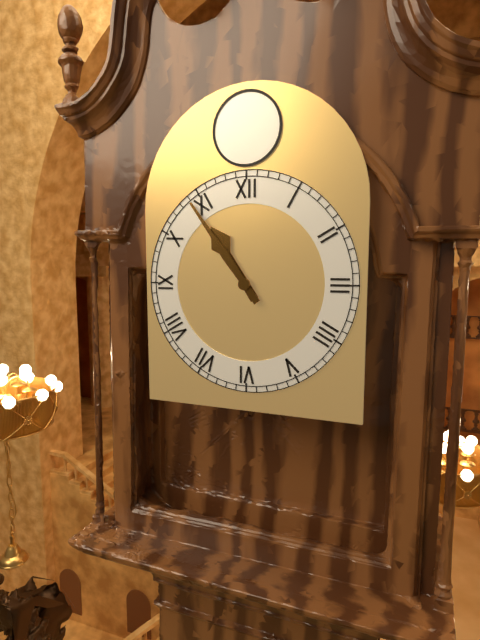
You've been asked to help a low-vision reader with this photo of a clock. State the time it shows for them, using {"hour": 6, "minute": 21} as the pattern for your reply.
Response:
{"hour": 10, "minute": 54}
